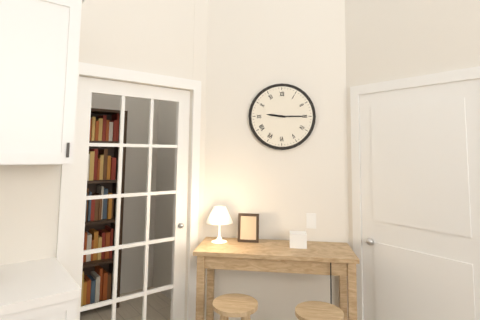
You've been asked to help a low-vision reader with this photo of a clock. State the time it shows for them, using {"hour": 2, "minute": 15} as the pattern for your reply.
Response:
{"hour": 9, "minute": 15}
